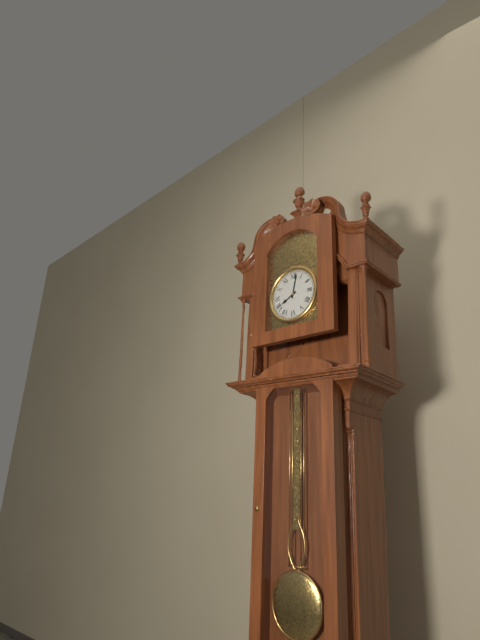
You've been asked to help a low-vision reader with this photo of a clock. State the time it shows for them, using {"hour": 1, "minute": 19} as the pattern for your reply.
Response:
{"hour": 8, "minute": 2}
